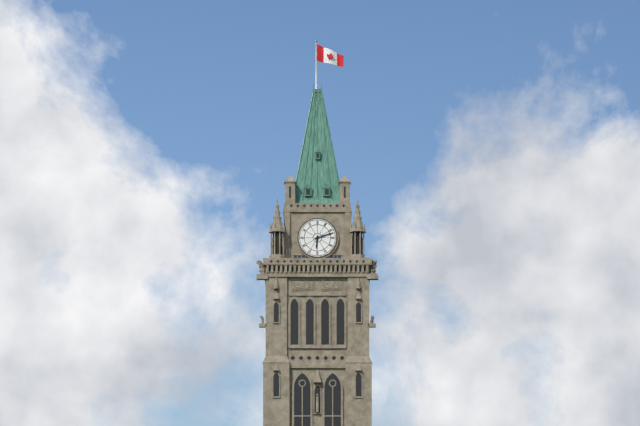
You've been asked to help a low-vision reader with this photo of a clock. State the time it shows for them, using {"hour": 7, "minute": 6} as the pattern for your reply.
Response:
{"hour": 6, "minute": 12}
